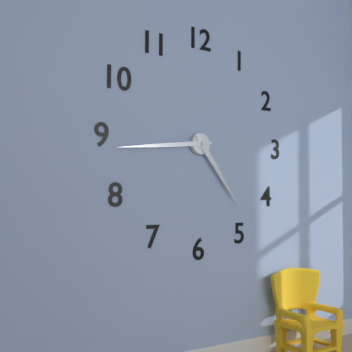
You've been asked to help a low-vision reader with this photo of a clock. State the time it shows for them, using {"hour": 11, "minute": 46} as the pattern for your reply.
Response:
{"hour": 4, "minute": 44}
